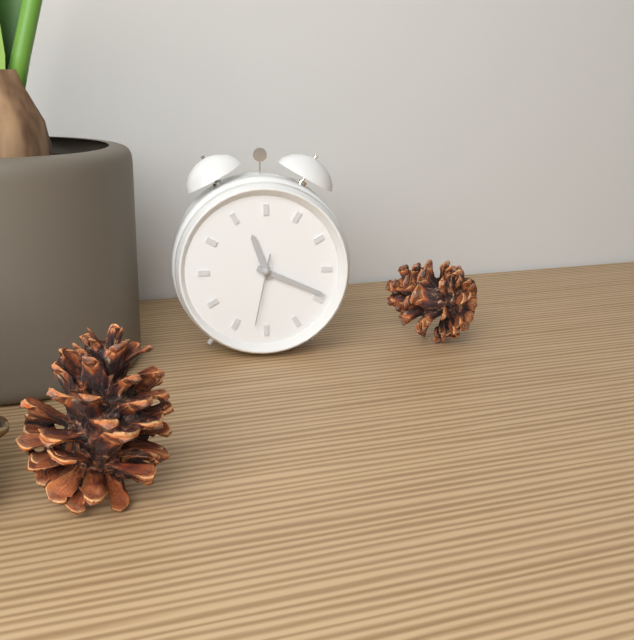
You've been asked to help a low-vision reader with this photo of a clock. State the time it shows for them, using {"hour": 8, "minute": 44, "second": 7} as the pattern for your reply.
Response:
{"hour": 11, "minute": 19, "second": 32}
